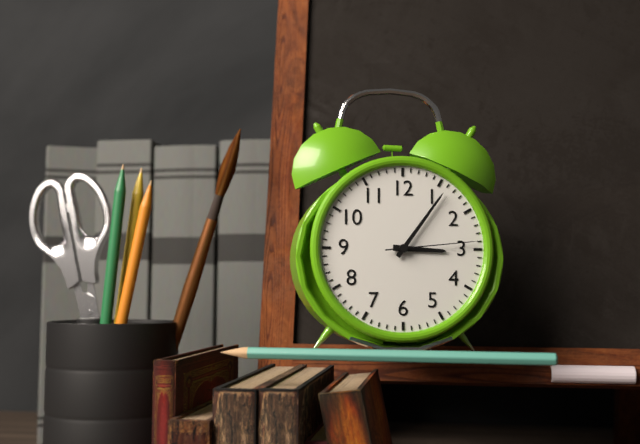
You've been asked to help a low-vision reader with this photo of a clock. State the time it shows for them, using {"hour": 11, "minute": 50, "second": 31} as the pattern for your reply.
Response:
{"hour": 3, "minute": 6, "second": 14}
